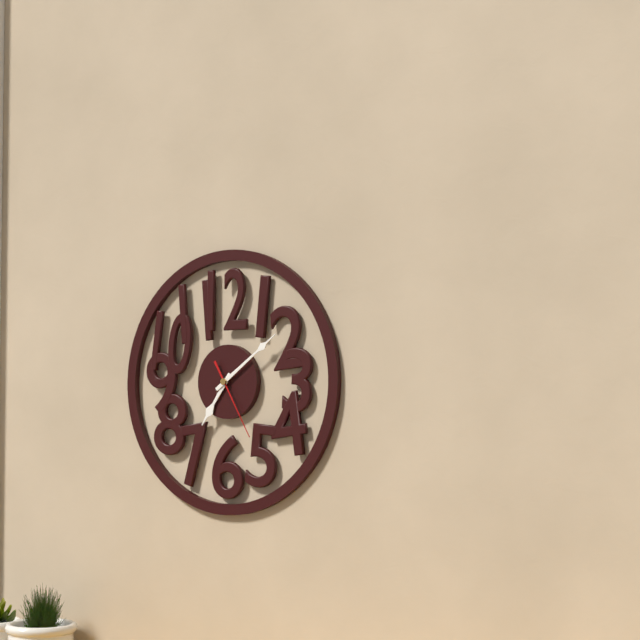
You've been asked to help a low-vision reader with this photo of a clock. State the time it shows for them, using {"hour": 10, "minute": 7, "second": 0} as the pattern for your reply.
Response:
{"hour": 7, "minute": 9, "second": 25}
